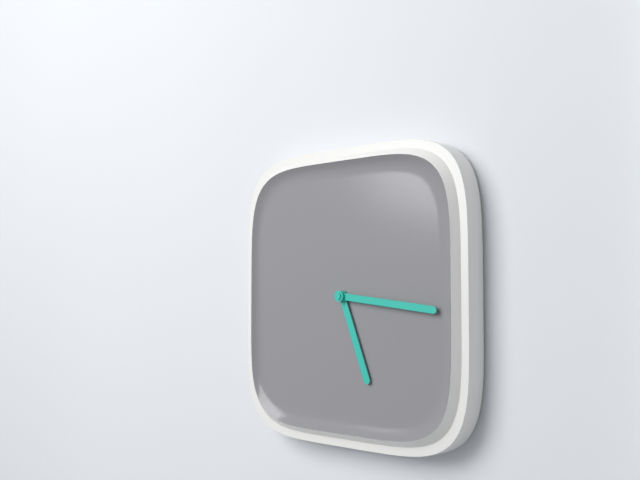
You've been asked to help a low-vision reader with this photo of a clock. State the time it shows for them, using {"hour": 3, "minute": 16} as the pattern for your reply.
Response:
{"hour": 5, "minute": 16}
